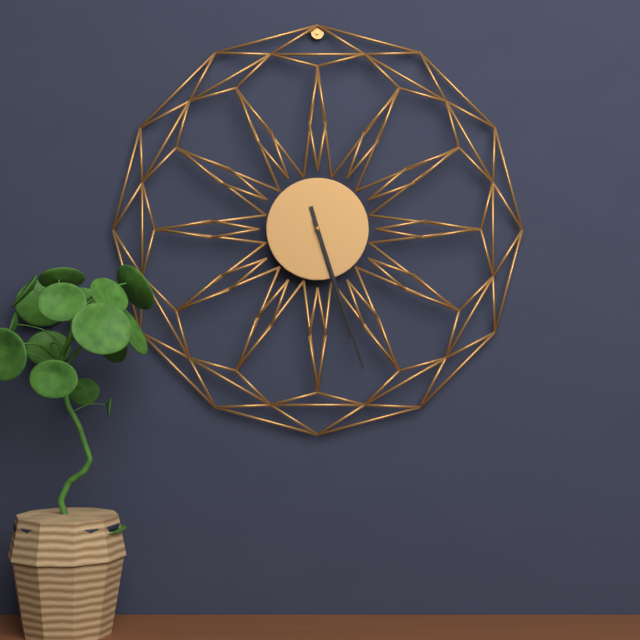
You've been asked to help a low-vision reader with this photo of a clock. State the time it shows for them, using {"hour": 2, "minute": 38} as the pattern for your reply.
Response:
{"hour": 5, "minute": 27}
